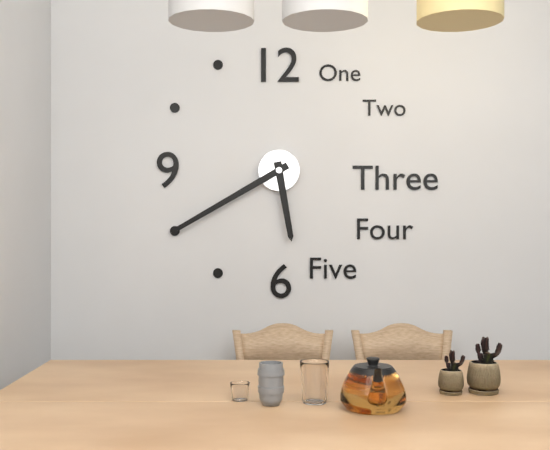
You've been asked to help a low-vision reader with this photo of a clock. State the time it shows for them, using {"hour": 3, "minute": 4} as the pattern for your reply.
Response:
{"hour": 5, "minute": 40}
